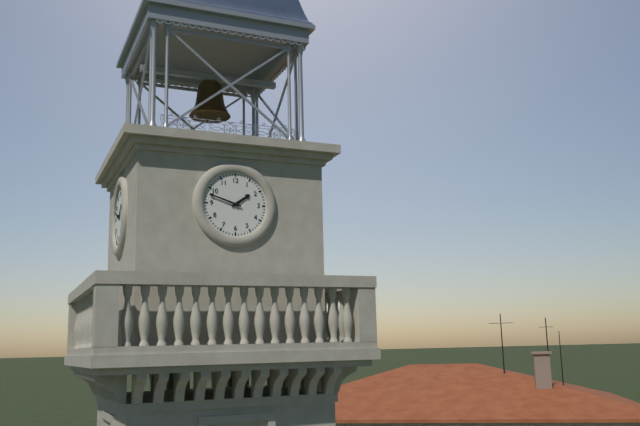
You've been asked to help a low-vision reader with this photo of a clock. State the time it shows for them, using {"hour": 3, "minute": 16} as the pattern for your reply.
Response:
{"hour": 1, "minute": 48}
